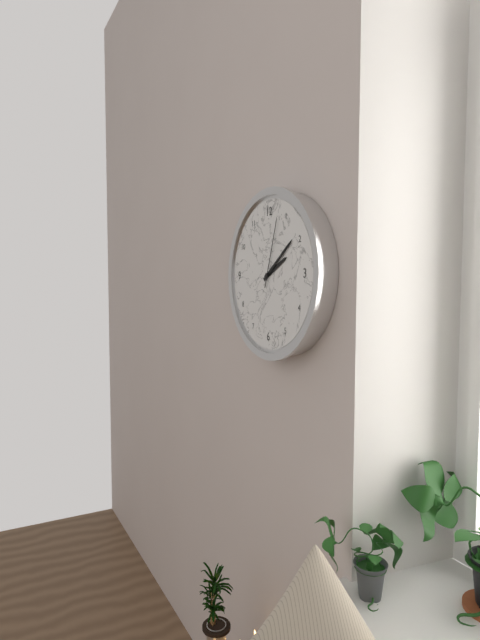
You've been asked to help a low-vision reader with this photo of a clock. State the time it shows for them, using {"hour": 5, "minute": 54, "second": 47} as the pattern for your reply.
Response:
{"hour": 2, "minute": 9, "second": 3}
